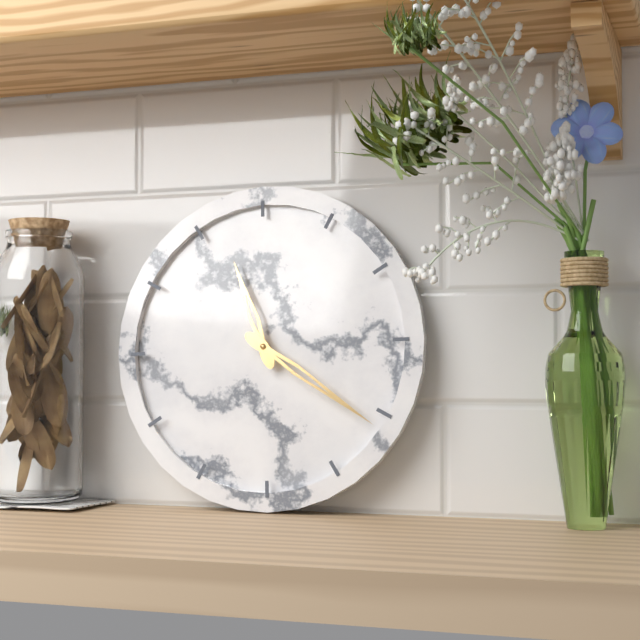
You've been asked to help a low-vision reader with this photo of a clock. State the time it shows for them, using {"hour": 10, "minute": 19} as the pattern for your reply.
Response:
{"hour": 11, "minute": 21}
